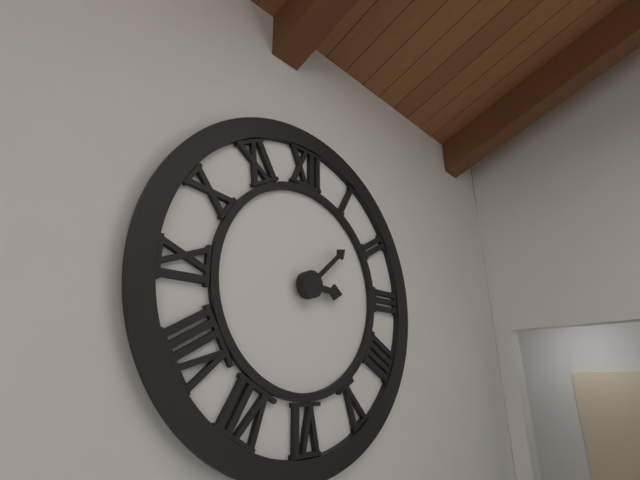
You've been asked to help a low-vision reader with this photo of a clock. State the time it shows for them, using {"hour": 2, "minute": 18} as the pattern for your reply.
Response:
{"hour": 3, "minute": 8}
